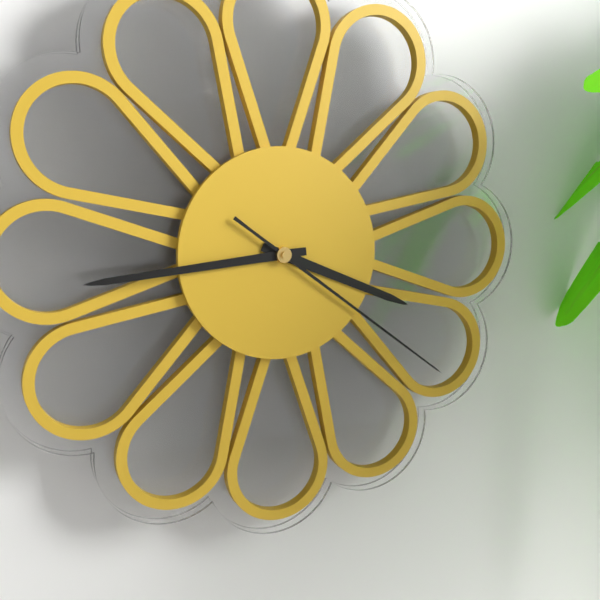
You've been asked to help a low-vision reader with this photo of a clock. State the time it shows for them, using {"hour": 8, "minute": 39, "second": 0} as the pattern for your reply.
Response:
{"hour": 3, "minute": 44, "second": 21}
